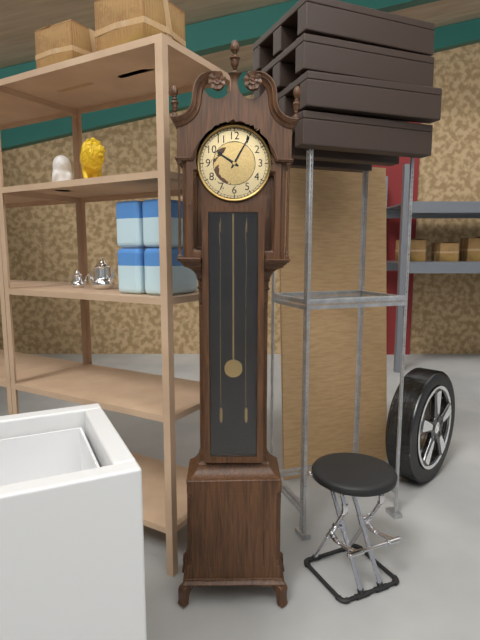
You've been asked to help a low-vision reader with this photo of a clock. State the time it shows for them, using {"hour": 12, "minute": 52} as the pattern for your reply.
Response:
{"hour": 10, "minute": 5}
